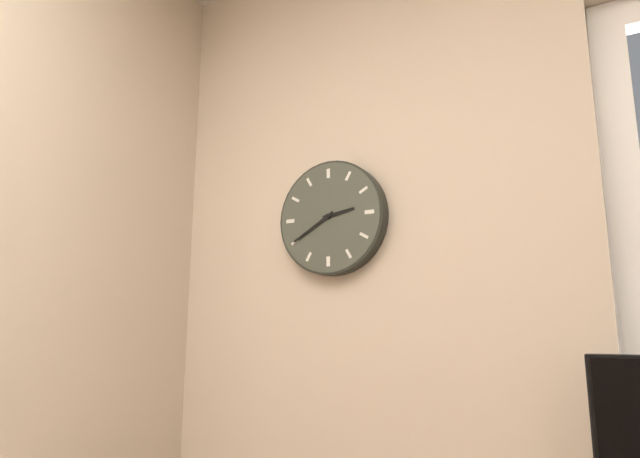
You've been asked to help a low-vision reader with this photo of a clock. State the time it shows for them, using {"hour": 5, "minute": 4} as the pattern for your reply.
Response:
{"hour": 2, "minute": 40}
